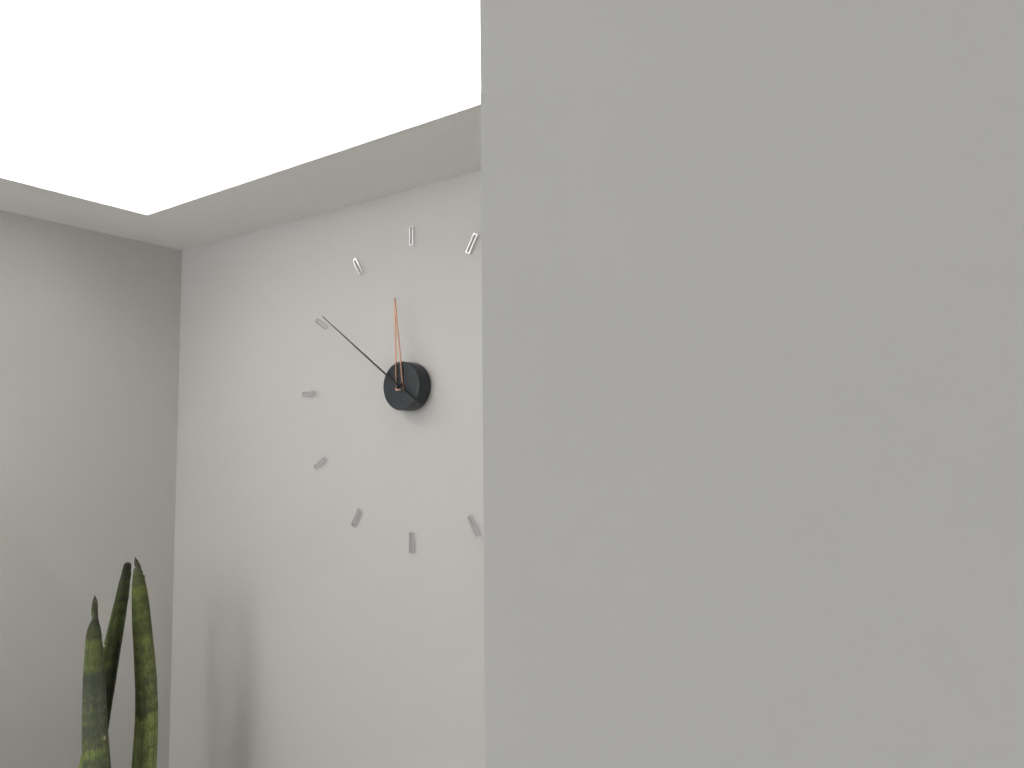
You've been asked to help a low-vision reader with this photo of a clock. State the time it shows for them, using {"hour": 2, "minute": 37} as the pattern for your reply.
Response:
{"hour": 11, "minute": 51}
